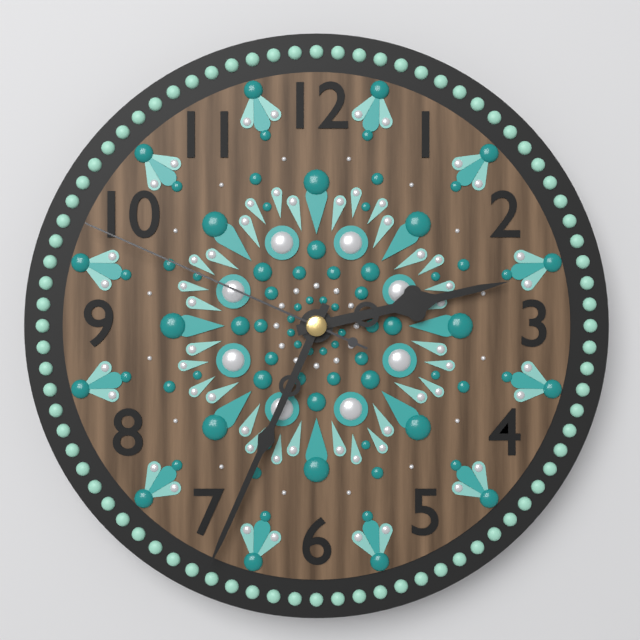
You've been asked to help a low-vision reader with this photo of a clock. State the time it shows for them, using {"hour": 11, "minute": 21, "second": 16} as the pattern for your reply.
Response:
{"hour": 2, "minute": 34, "second": 49}
